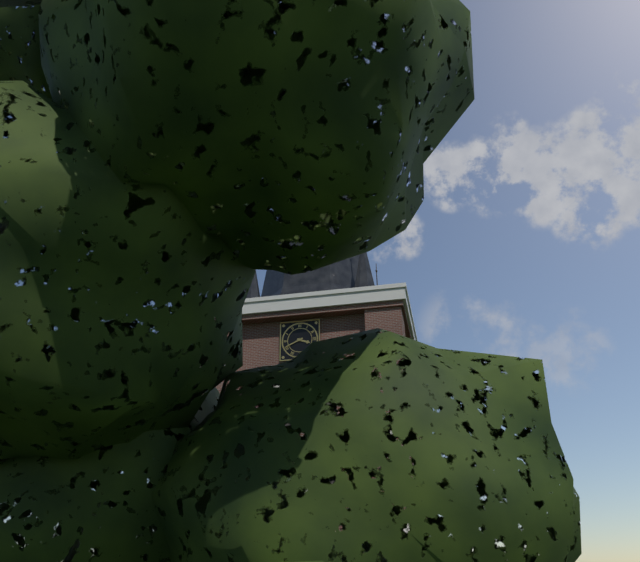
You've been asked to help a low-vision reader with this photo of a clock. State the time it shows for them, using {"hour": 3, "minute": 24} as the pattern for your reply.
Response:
{"hour": 3, "minute": 41}
